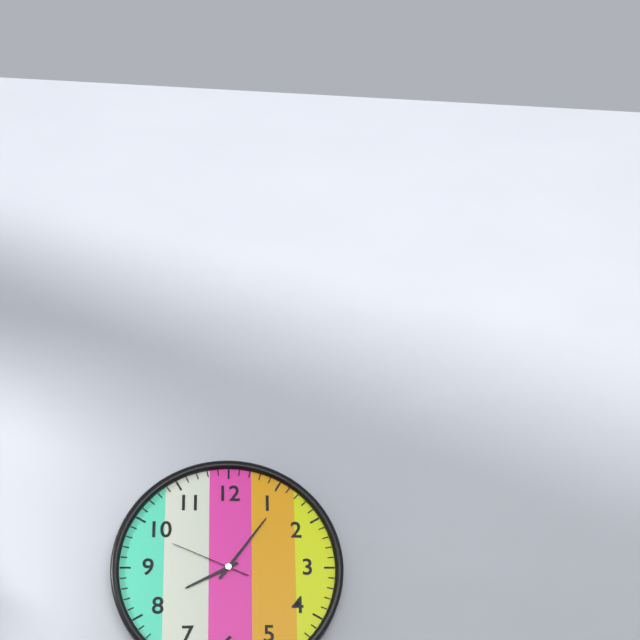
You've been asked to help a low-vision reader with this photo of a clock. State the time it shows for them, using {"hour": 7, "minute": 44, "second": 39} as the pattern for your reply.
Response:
{"hour": 8, "minute": 6, "second": 49}
